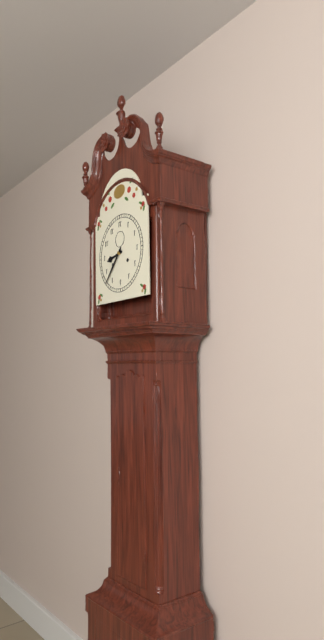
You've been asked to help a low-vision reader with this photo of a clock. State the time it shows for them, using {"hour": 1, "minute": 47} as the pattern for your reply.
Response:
{"hour": 8, "minute": 37}
